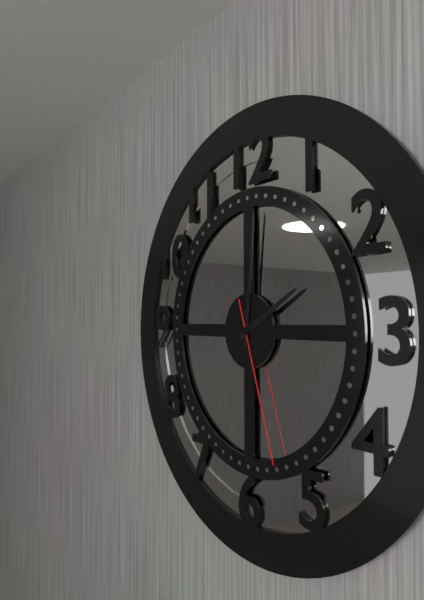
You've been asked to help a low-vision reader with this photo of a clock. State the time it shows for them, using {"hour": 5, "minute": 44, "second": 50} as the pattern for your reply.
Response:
{"hour": 2, "minute": 1, "second": 27}
